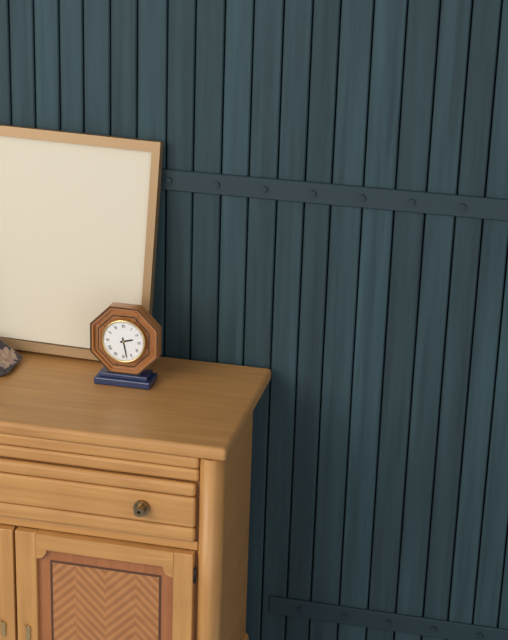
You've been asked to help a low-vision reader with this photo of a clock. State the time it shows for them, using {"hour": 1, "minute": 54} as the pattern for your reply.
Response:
{"hour": 2, "minute": 28}
